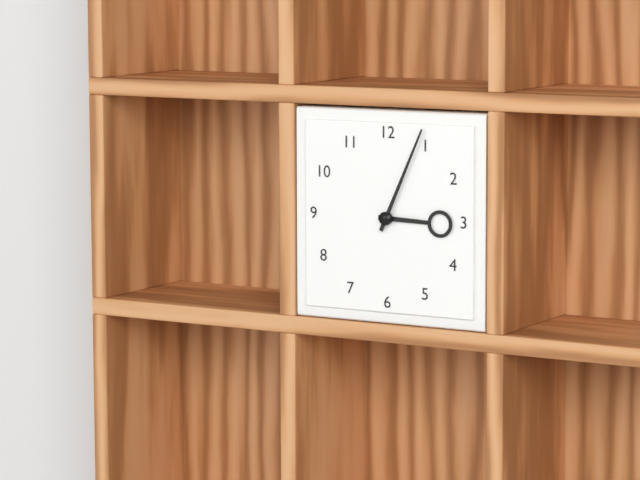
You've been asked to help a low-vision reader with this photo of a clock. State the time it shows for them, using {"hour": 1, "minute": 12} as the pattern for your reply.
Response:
{"hour": 3, "minute": 4}
